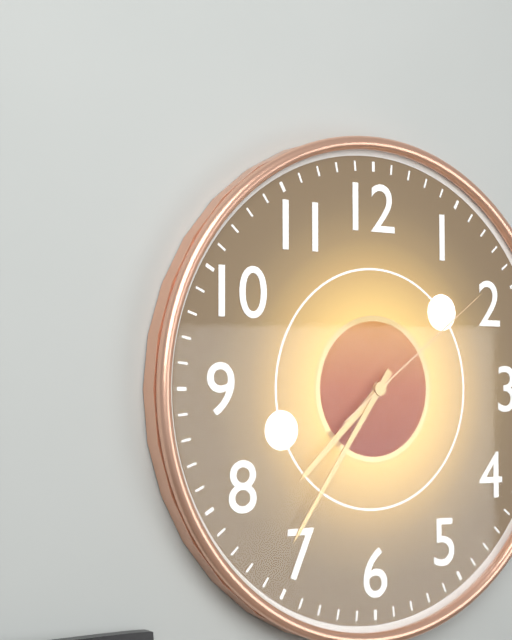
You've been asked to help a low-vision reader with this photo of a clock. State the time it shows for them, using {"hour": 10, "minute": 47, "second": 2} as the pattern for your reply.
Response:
{"hour": 7, "minute": 36, "second": 9}
